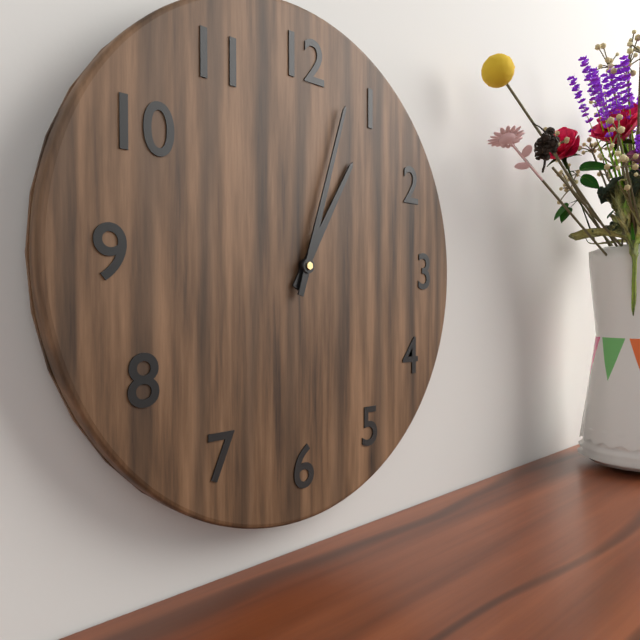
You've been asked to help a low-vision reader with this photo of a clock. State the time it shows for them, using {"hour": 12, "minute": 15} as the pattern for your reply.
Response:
{"hour": 1, "minute": 3}
